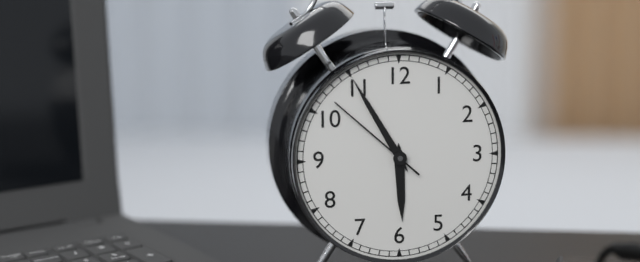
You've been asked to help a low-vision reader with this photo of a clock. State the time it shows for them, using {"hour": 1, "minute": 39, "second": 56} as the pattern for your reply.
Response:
{"hour": 5, "minute": 55, "second": 52}
